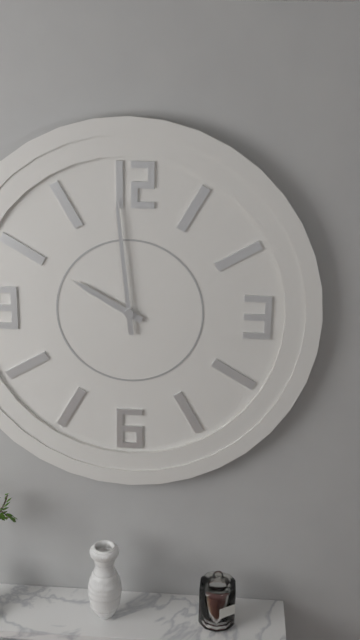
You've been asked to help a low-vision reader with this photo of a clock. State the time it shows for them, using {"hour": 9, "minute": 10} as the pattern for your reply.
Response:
{"hour": 9, "minute": 59}
